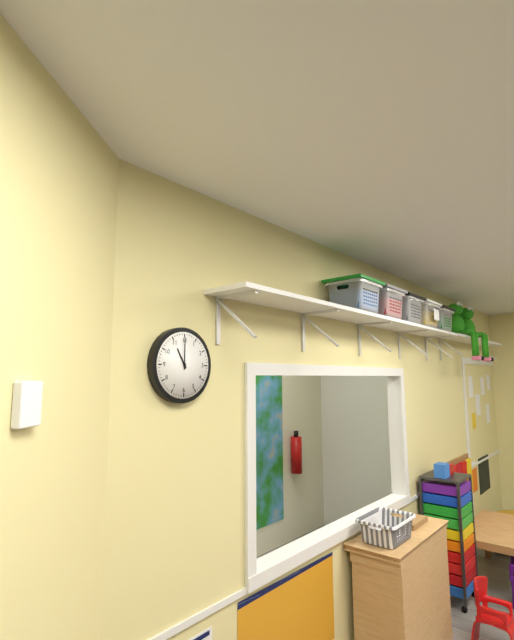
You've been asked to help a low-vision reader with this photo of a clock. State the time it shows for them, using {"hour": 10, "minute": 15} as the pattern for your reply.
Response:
{"hour": 11, "minute": 0}
